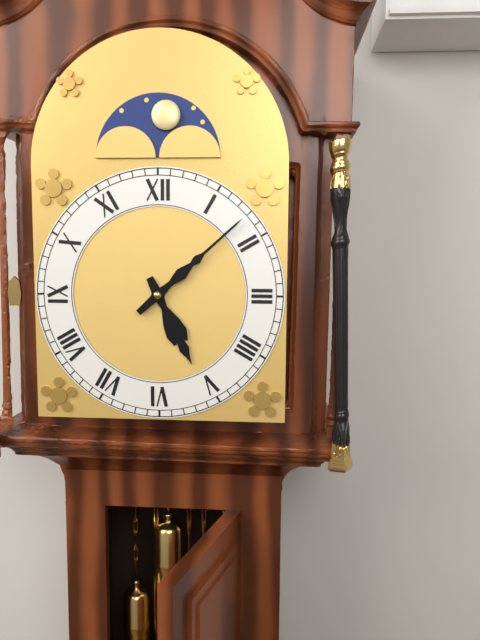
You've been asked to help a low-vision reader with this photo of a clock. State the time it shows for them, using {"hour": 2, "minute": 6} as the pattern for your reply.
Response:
{"hour": 5, "minute": 8}
